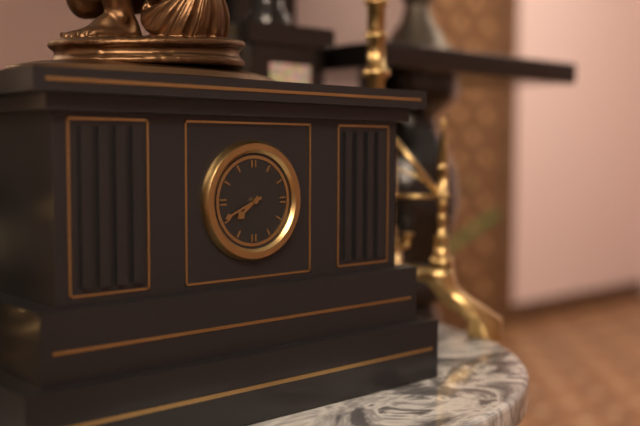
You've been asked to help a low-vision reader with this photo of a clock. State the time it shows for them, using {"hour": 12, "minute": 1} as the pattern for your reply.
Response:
{"hour": 7, "minute": 41}
